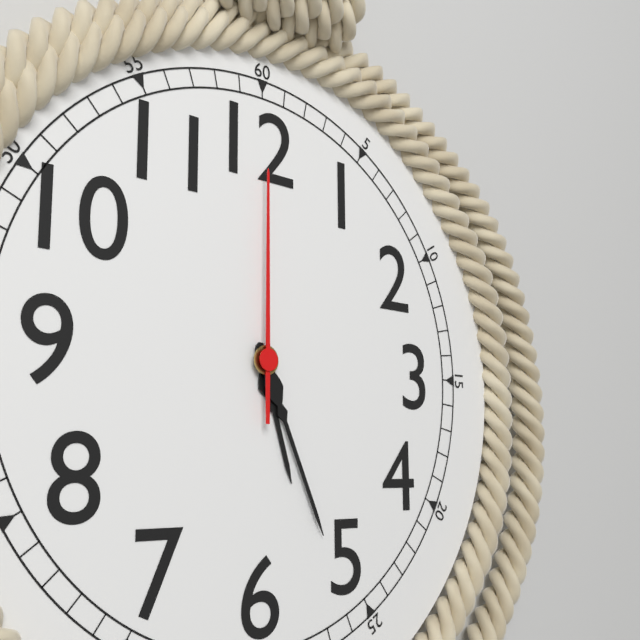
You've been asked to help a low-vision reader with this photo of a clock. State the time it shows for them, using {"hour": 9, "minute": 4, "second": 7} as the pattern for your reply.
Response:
{"hour": 5, "minute": 26, "second": 0}
